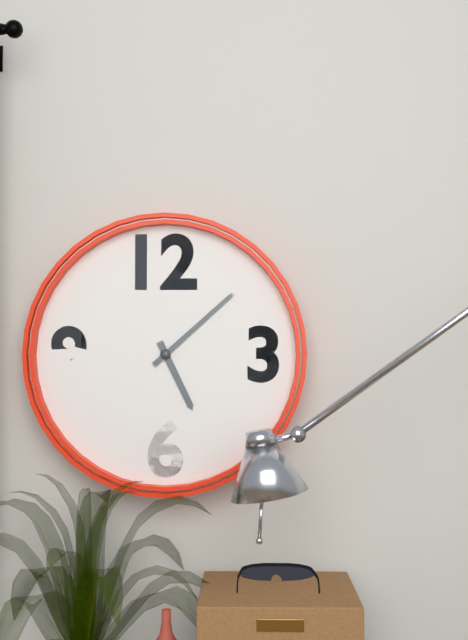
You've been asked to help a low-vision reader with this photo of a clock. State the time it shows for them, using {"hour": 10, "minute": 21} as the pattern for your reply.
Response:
{"hour": 5, "minute": 8}
